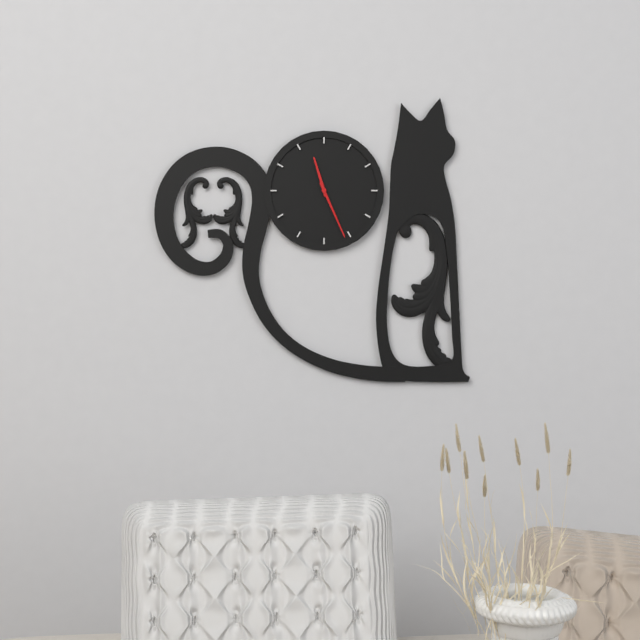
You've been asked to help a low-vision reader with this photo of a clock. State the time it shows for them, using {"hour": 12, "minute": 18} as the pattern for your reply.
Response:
{"hour": 11, "minute": 26}
